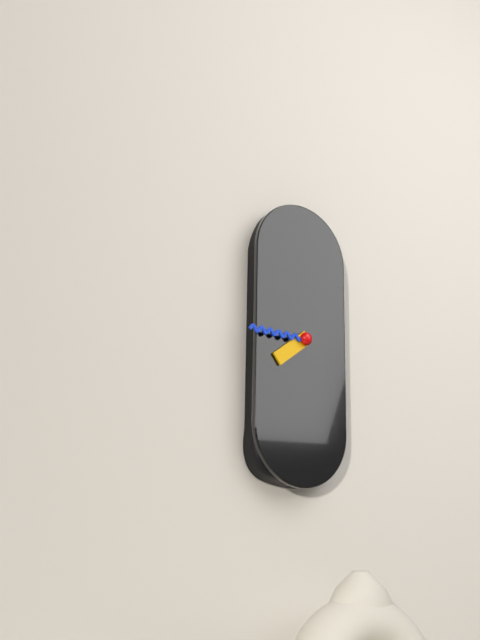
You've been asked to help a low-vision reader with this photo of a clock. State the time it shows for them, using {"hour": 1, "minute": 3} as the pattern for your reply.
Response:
{"hour": 7, "minute": 45}
